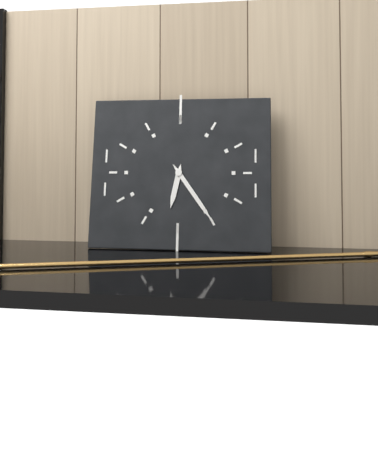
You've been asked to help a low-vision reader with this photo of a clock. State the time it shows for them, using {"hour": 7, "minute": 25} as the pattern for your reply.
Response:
{"hour": 6, "minute": 24}
